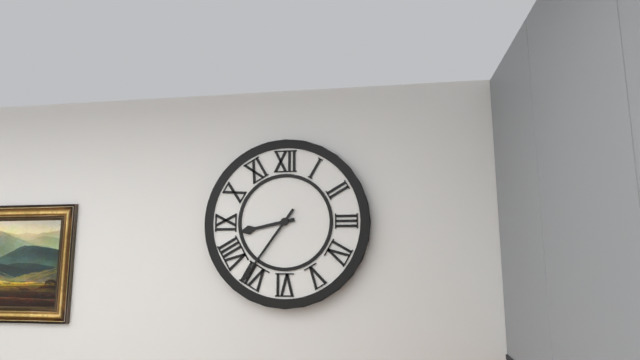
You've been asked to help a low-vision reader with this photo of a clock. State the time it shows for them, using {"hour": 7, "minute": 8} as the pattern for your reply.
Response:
{"hour": 8, "minute": 36}
